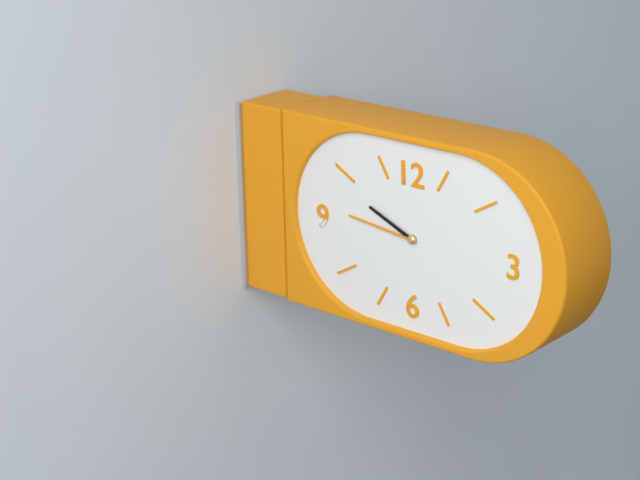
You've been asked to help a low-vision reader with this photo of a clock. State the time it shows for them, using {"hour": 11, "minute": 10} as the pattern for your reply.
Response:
{"hour": 9, "minute": 46}
